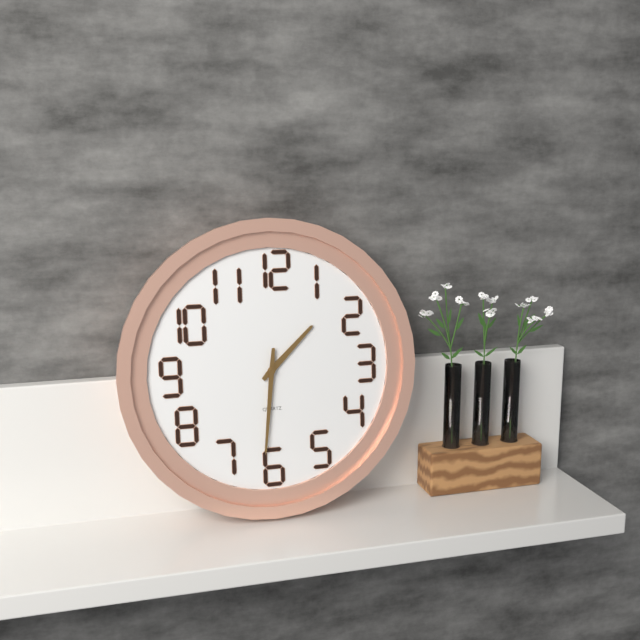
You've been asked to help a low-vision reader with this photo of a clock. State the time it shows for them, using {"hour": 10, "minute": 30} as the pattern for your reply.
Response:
{"hour": 1, "minute": 31}
